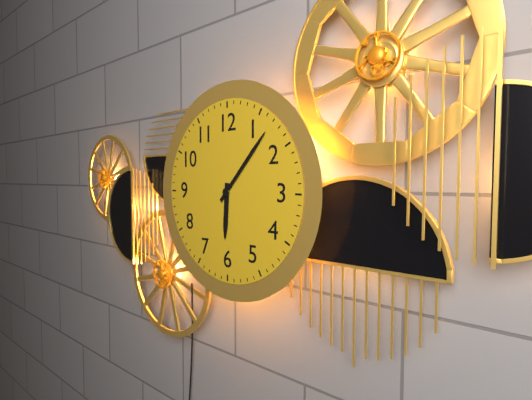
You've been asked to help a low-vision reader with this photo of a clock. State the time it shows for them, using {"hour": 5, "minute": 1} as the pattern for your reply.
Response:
{"hour": 6, "minute": 7}
